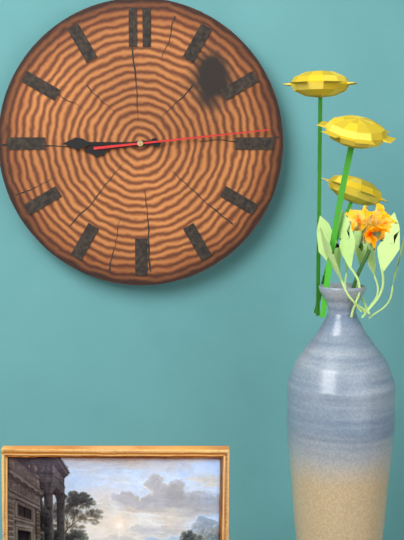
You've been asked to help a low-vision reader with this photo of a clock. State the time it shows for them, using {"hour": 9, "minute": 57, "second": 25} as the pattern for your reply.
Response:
{"hour": 8, "minute": 45, "second": 14}
